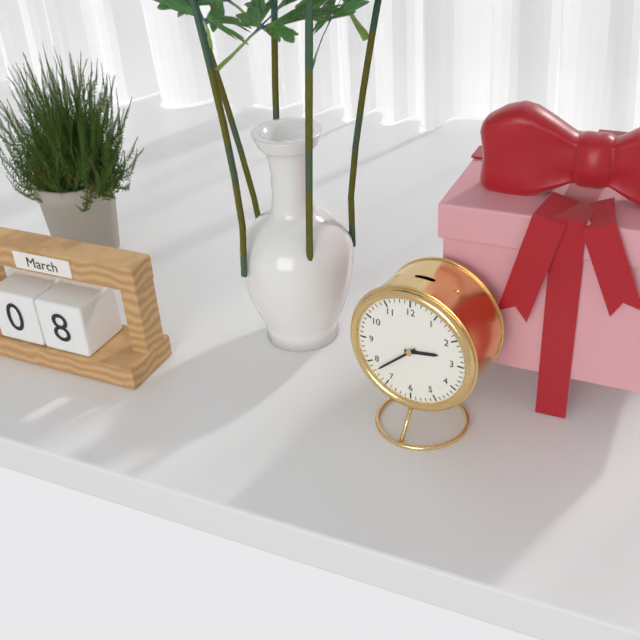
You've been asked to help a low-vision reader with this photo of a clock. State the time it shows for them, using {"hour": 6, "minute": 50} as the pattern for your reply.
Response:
{"hour": 2, "minute": 38}
